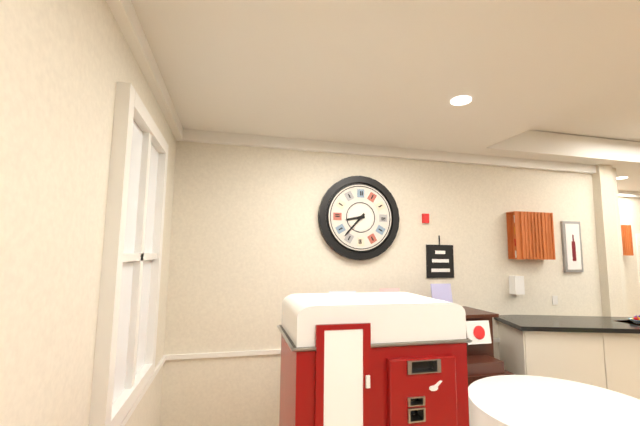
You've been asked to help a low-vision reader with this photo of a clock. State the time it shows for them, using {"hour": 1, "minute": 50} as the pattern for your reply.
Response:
{"hour": 8, "minute": 37}
